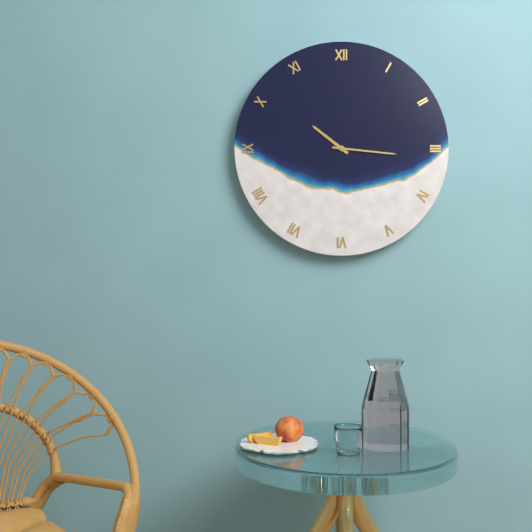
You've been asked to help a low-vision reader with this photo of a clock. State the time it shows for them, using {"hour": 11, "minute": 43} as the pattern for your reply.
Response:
{"hour": 10, "minute": 16}
